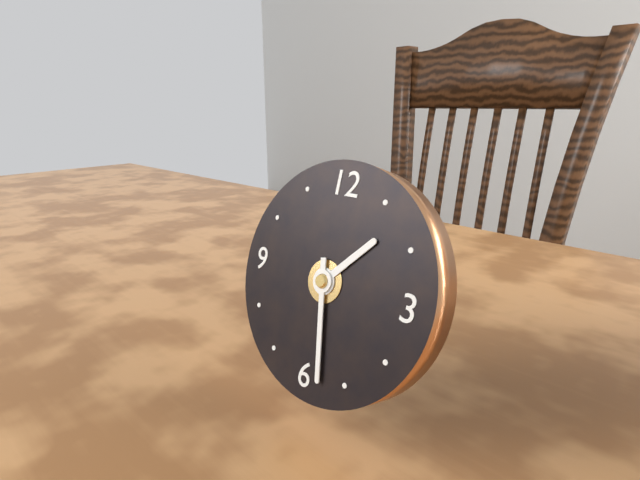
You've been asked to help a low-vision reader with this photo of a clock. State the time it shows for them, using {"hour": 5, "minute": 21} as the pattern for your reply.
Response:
{"hour": 1, "minute": 28}
